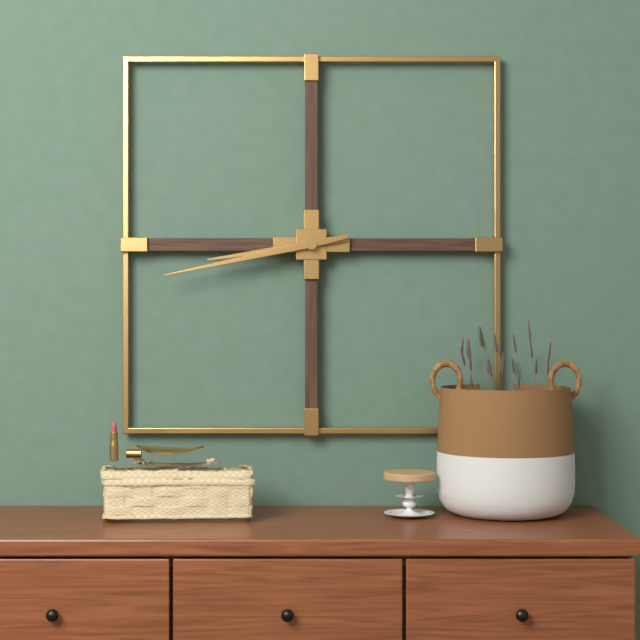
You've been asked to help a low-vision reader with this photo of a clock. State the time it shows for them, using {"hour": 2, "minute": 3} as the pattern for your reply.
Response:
{"hour": 8, "minute": 43}
